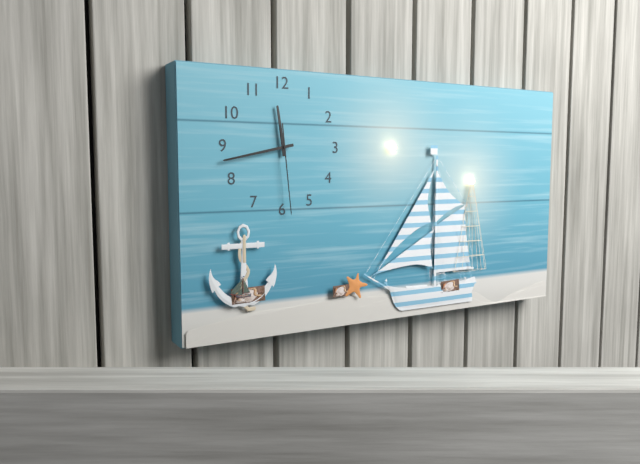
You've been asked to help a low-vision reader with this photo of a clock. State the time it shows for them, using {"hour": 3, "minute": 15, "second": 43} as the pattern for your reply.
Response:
{"hour": 11, "minute": 43, "second": 29}
